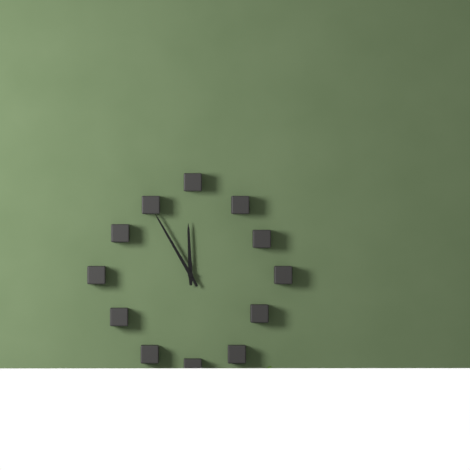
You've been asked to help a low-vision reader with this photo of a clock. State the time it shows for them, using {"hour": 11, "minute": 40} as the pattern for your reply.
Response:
{"hour": 11, "minute": 55}
